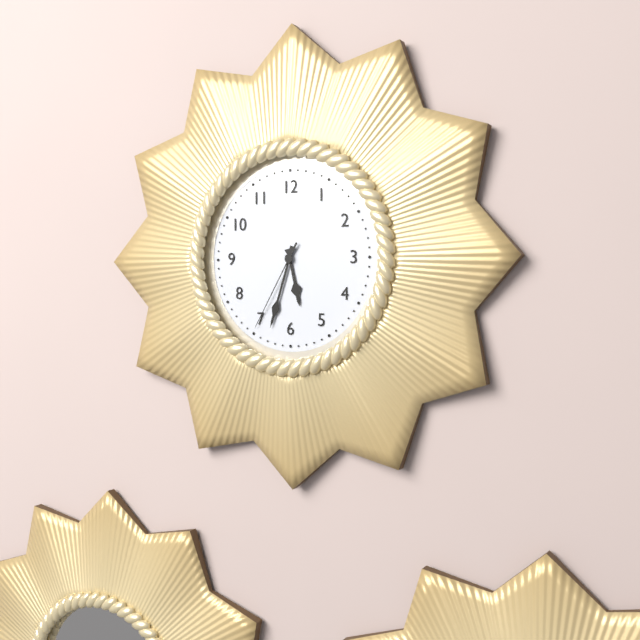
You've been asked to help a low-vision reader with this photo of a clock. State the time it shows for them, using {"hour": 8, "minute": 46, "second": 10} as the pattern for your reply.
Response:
{"hour": 5, "minute": 33, "second": 35}
